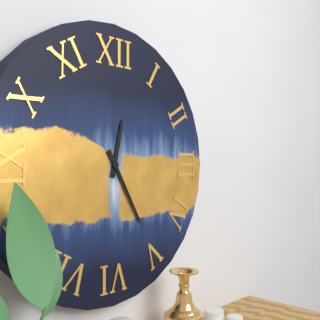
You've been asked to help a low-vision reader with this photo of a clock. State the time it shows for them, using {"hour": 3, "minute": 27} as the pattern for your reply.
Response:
{"hour": 12, "minute": 25}
